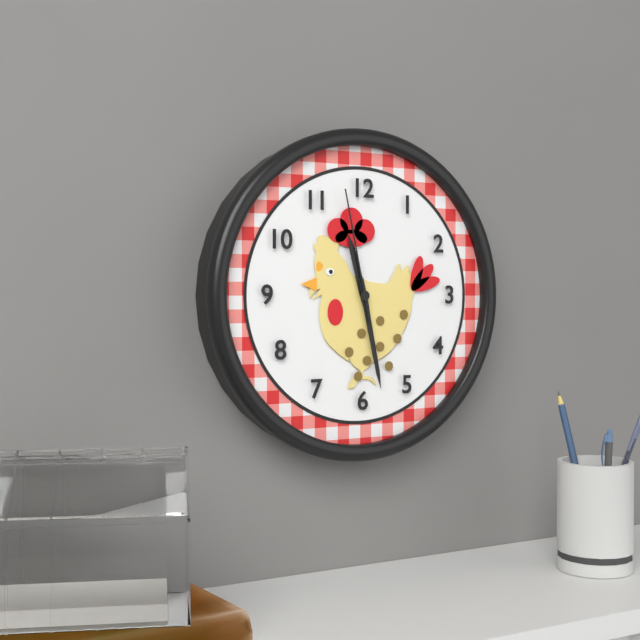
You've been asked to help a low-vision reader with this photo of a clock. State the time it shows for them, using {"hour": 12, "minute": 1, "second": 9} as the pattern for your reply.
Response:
{"hour": 11, "minute": 28, "second": 58}
